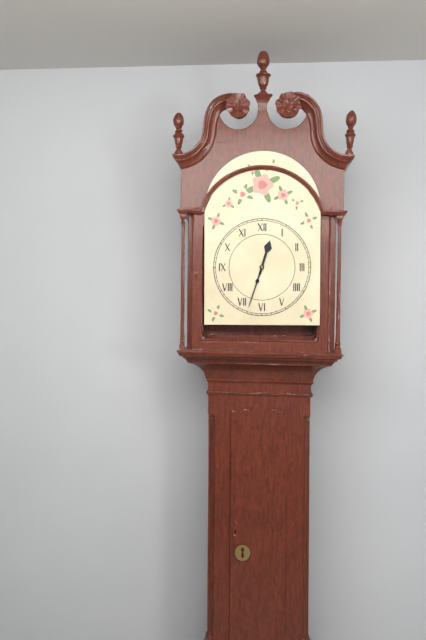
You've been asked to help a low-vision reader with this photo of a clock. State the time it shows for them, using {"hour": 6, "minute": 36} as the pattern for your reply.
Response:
{"hour": 12, "minute": 33}
